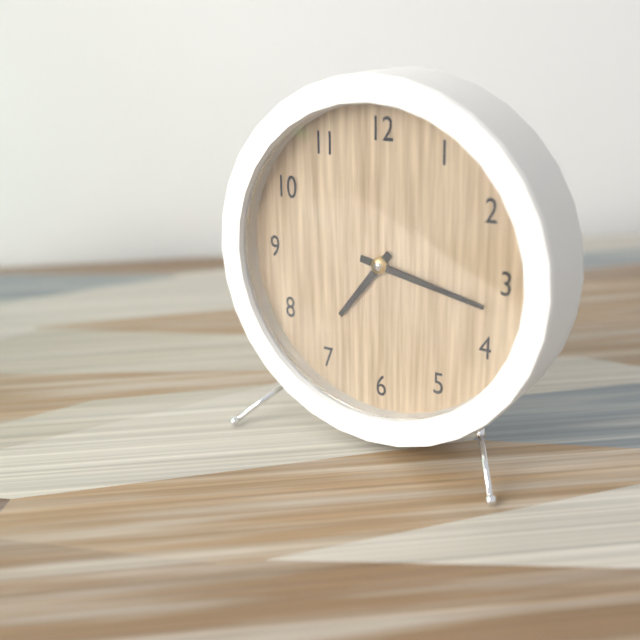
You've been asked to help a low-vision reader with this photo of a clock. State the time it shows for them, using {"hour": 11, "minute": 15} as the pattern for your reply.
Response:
{"hour": 7, "minute": 17}
